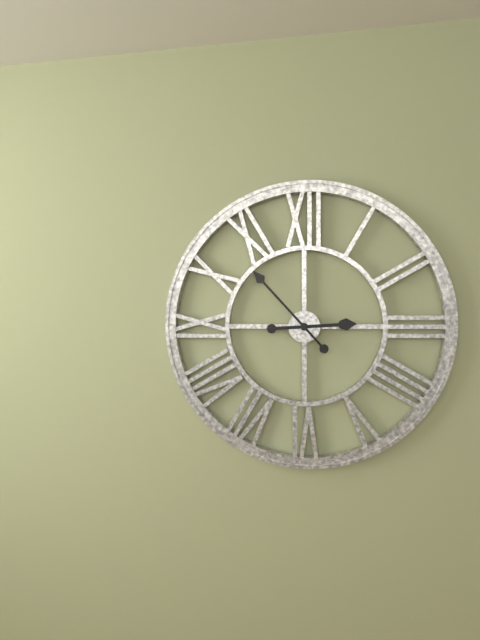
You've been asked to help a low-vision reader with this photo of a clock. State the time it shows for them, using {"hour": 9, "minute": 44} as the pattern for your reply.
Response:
{"hour": 2, "minute": 53}
